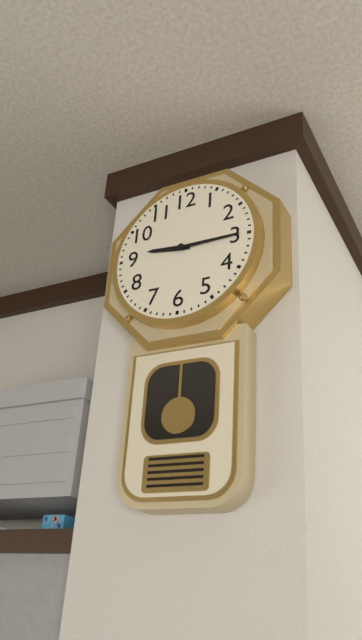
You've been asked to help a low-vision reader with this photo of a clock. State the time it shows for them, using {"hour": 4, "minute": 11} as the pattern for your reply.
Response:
{"hour": 9, "minute": 15}
